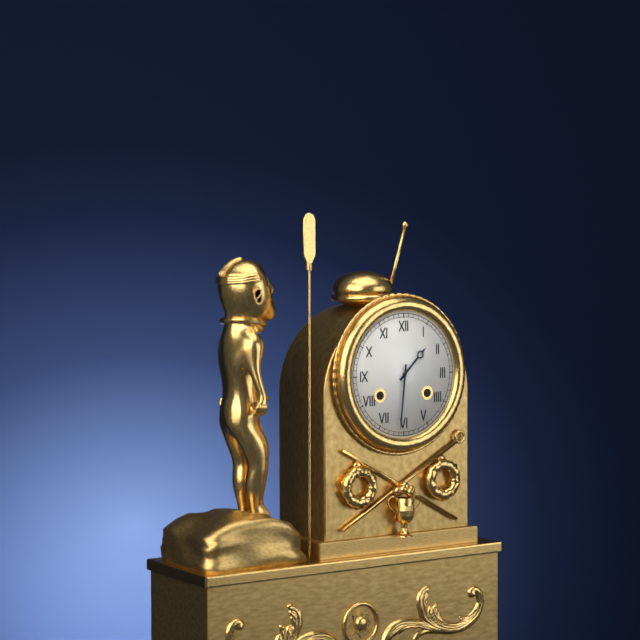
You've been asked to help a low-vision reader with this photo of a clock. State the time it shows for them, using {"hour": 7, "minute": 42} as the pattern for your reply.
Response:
{"hour": 1, "minute": 31}
